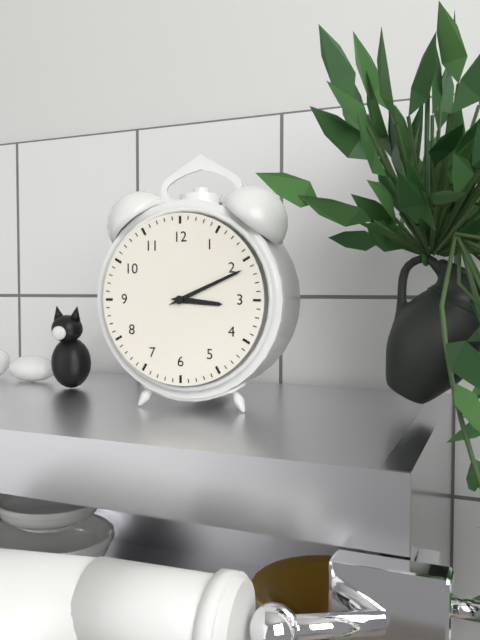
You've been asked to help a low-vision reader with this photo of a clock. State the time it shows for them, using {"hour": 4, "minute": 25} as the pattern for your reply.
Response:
{"hour": 3, "minute": 11}
